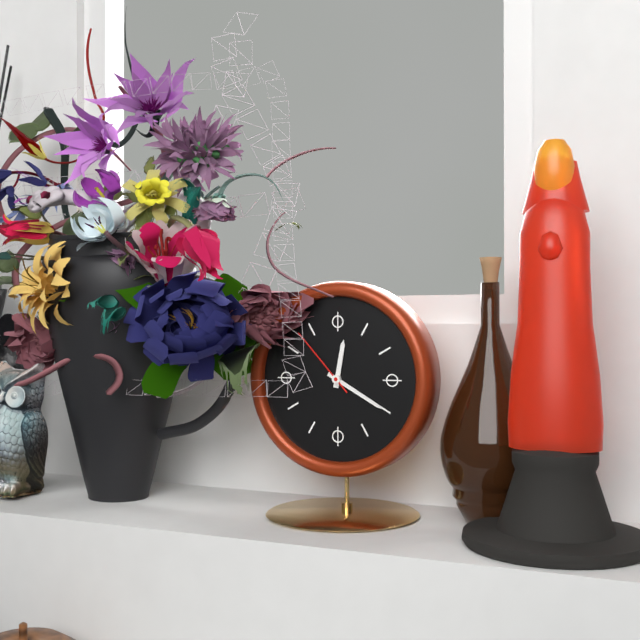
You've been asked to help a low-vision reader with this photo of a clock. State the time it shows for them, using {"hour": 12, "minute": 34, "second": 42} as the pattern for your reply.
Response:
{"hour": 12, "minute": 20, "second": 53}
